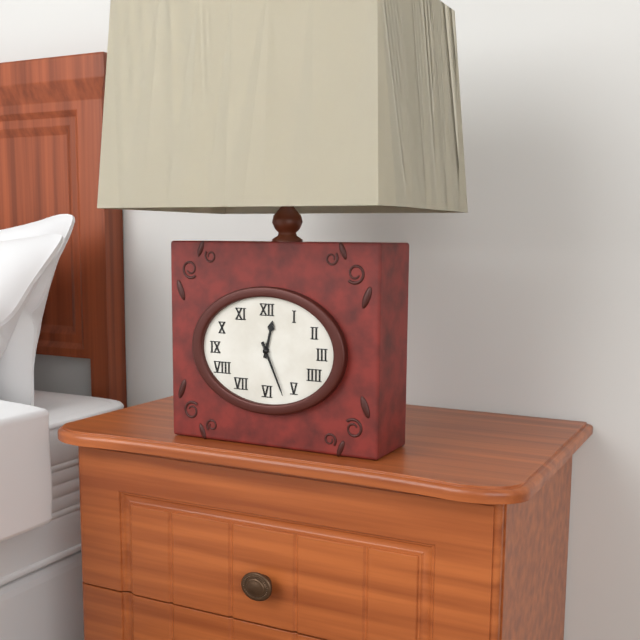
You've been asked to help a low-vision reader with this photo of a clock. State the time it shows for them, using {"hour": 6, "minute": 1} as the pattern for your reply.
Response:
{"hour": 12, "minute": 26}
